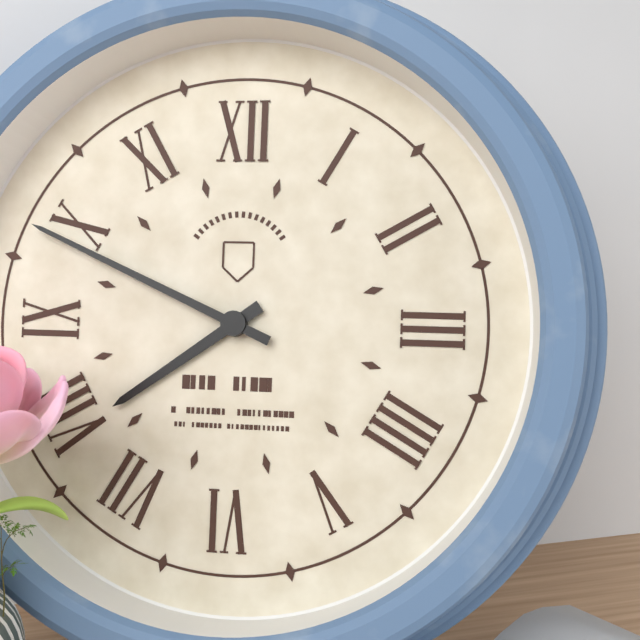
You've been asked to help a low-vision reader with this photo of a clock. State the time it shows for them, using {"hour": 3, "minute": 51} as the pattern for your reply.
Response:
{"hour": 7, "minute": 49}
